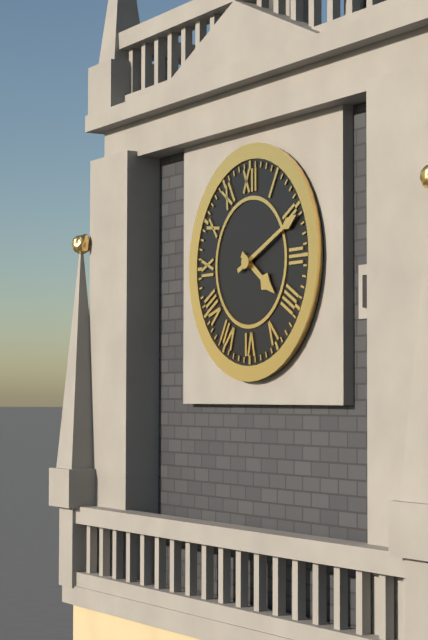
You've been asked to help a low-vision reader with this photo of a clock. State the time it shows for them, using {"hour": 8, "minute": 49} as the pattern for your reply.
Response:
{"hour": 4, "minute": 11}
